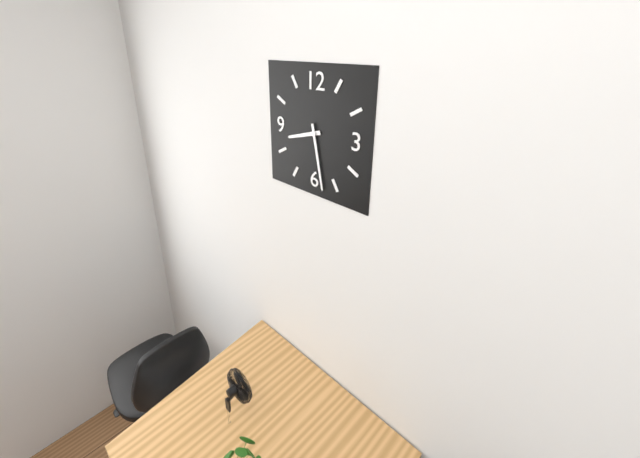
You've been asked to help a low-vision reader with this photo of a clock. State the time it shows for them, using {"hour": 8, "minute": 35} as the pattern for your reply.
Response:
{"hour": 8, "minute": 28}
